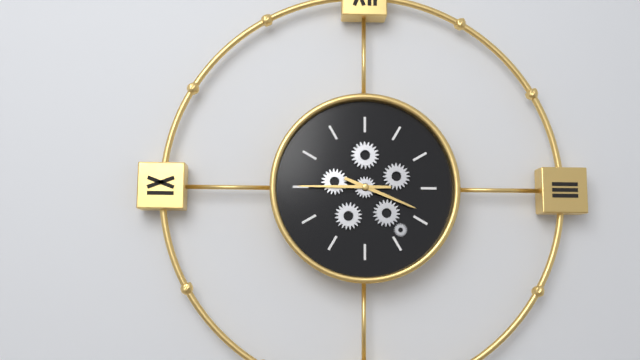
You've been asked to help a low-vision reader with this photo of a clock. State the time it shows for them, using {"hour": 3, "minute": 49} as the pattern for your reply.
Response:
{"hour": 3, "minute": 45}
